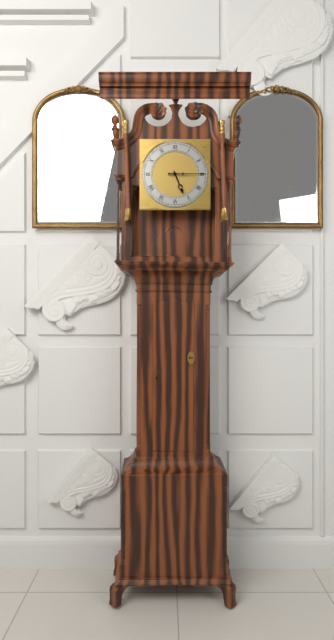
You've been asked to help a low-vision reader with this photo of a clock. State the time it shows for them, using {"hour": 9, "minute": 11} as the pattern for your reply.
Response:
{"hour": 5, "minute": 15}
